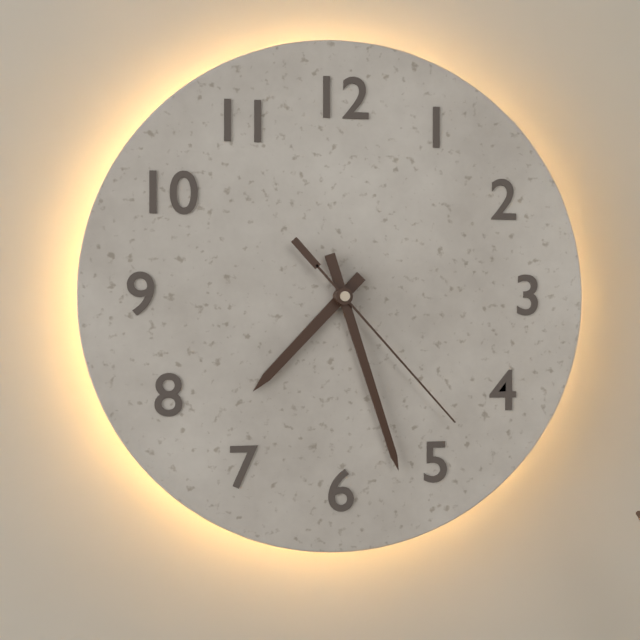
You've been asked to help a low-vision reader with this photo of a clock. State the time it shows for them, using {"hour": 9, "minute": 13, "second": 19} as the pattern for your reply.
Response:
{"hour": 7, "minute": 27, "second": 23}
